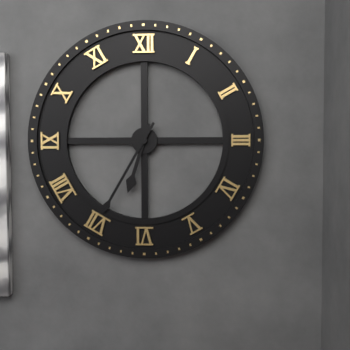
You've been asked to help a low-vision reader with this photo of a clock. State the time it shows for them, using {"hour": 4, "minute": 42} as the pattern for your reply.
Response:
{"hour": 6, "minute": 35}
